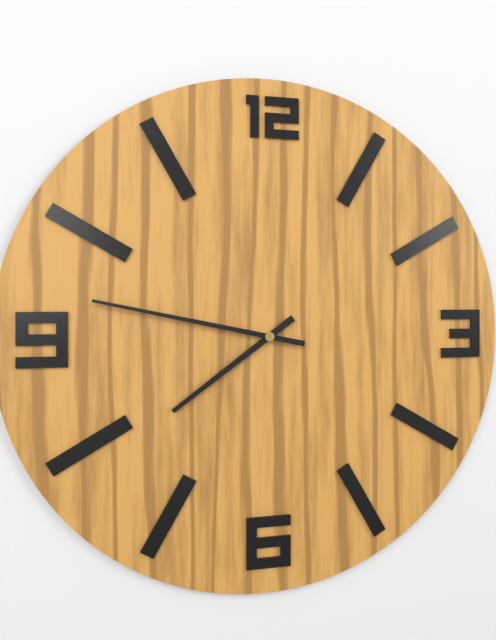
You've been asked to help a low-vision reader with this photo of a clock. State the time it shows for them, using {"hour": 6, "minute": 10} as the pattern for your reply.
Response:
{"hour": 7, "minute": 47}
